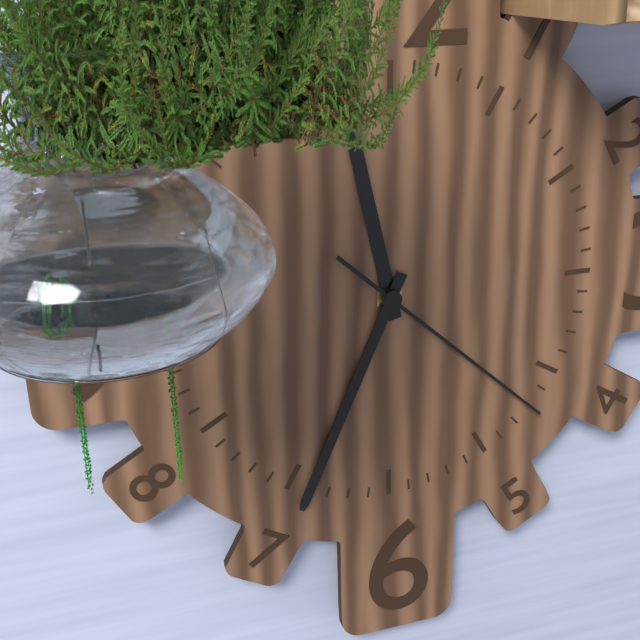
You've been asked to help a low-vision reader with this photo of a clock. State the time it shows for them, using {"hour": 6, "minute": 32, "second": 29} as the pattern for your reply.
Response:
{"hour": 11, "minute": 34, "second": 22}
